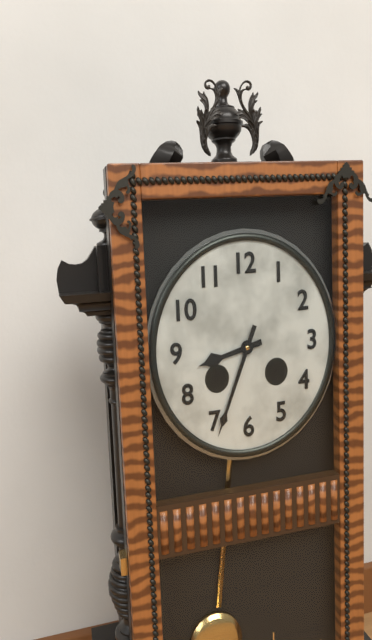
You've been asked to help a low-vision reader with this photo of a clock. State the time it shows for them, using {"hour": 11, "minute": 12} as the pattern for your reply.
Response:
{"hour": 8, "minute": 34}
